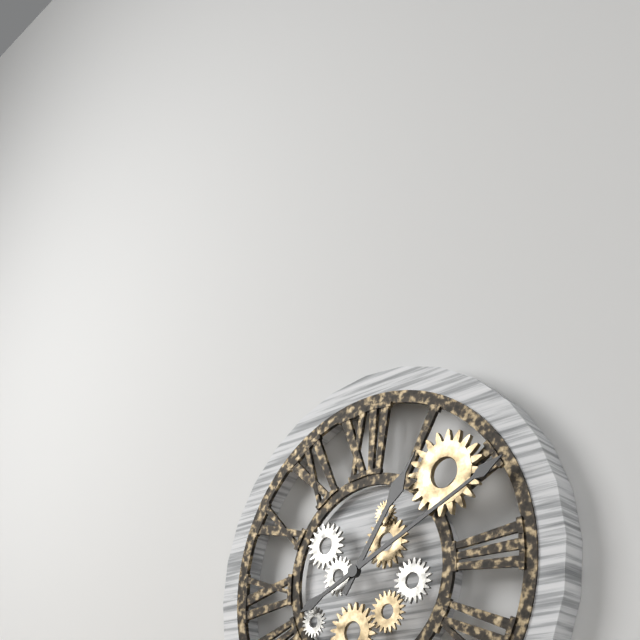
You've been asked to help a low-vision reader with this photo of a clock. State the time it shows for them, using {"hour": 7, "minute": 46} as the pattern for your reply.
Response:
{"hour": 1, "minute": 11}
